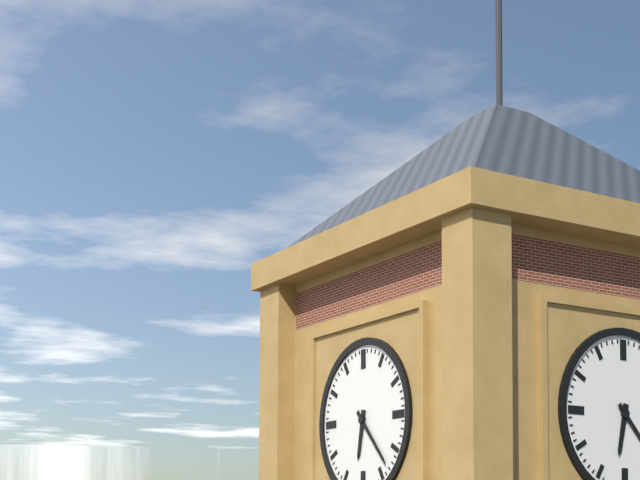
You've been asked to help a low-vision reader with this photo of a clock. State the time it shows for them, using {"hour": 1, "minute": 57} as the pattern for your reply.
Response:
{"hour": 6, "minute": 23}
